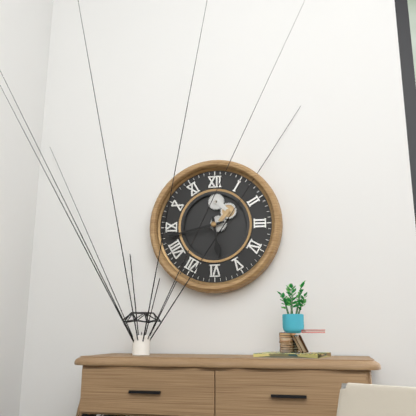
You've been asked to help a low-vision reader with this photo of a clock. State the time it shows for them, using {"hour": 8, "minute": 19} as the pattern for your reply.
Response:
{"hour": 5, "minute": 43}
